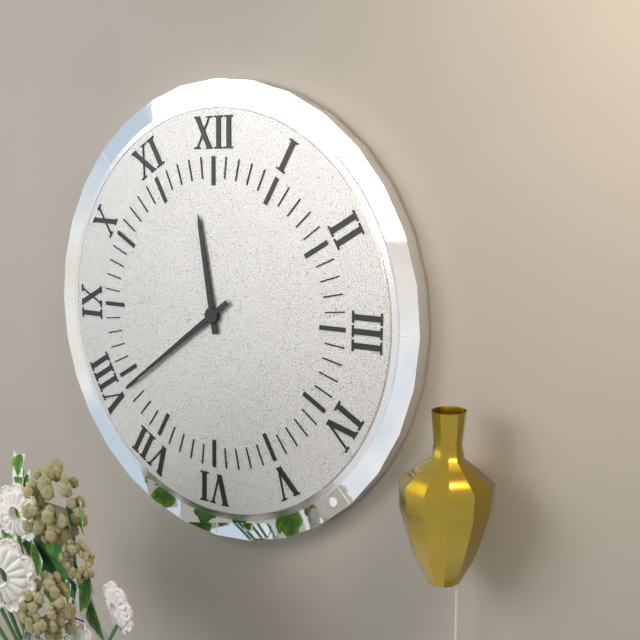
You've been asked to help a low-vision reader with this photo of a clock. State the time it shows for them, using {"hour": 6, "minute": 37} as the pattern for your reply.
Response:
{"hour": 11, "minute": 39}
